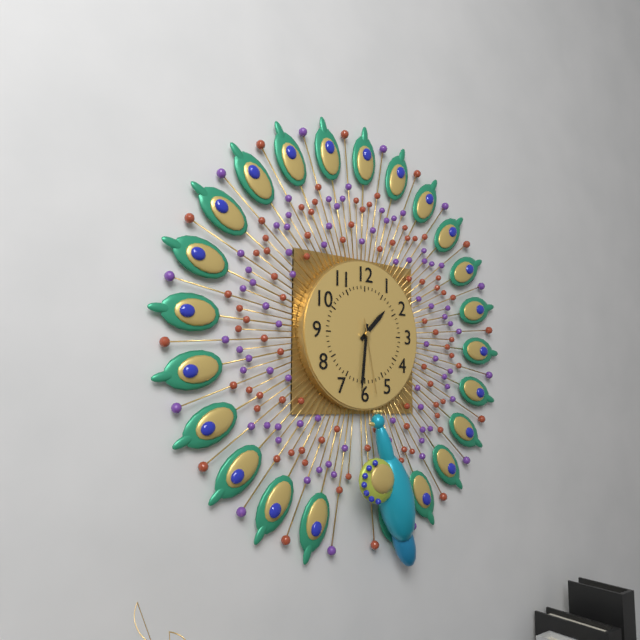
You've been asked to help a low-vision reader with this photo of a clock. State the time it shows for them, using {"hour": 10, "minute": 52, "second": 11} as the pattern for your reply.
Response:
{"hour": 1, "minute": 31, "second": 28}
